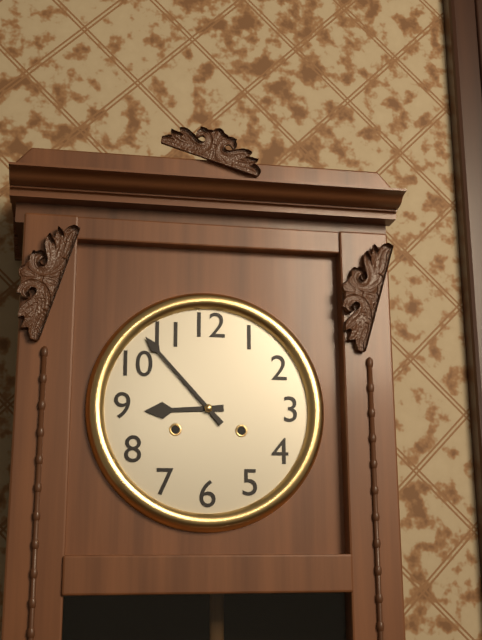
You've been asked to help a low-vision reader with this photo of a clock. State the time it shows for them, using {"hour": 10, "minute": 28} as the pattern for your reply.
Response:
{"hour": 8, "minute": 53}
